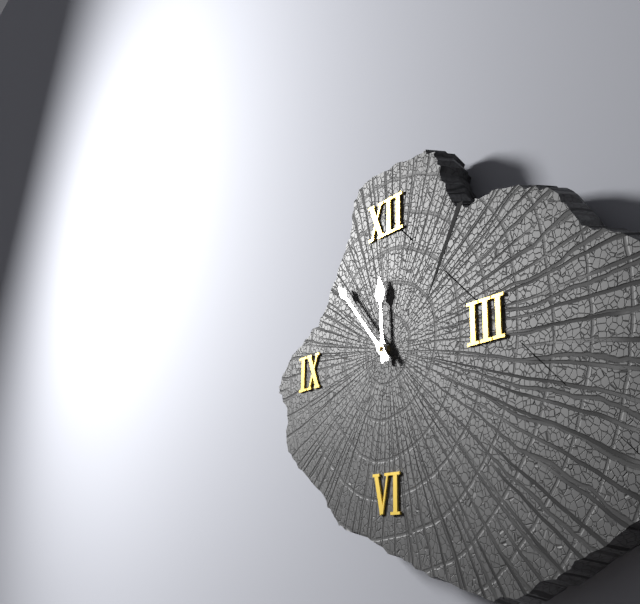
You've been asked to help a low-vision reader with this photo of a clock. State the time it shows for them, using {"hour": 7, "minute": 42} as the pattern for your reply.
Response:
{"hour": 11, "minute": 53}
